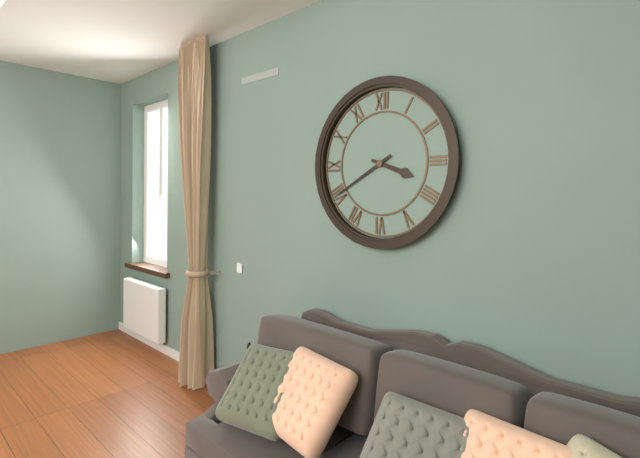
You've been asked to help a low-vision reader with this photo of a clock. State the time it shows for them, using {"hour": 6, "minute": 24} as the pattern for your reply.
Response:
{"hour": 3, "minute": 40}
